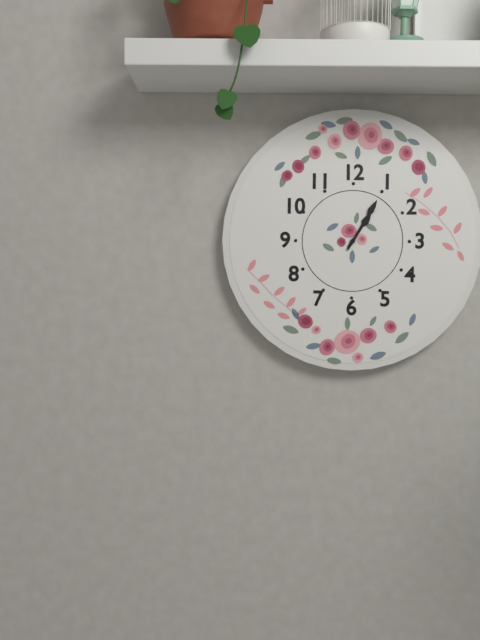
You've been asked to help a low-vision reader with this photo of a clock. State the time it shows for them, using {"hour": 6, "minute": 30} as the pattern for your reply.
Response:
{"hour": 1, "minute": 5}
